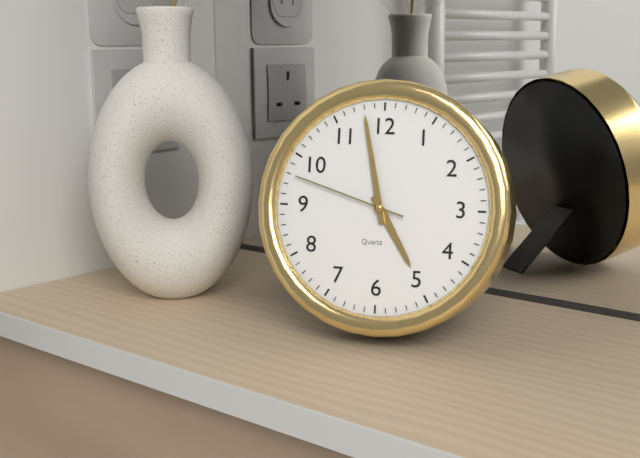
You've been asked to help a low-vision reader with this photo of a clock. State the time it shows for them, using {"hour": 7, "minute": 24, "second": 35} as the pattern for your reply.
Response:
{"hour": 4, "minute": 58, "second": 48}
